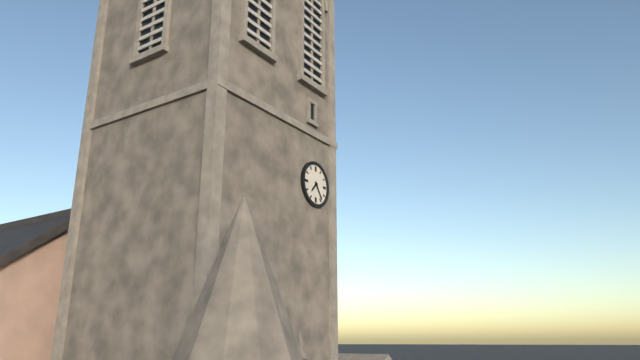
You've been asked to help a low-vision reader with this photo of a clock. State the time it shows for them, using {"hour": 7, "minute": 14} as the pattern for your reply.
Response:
{"hour": 7, "minute": 24}
